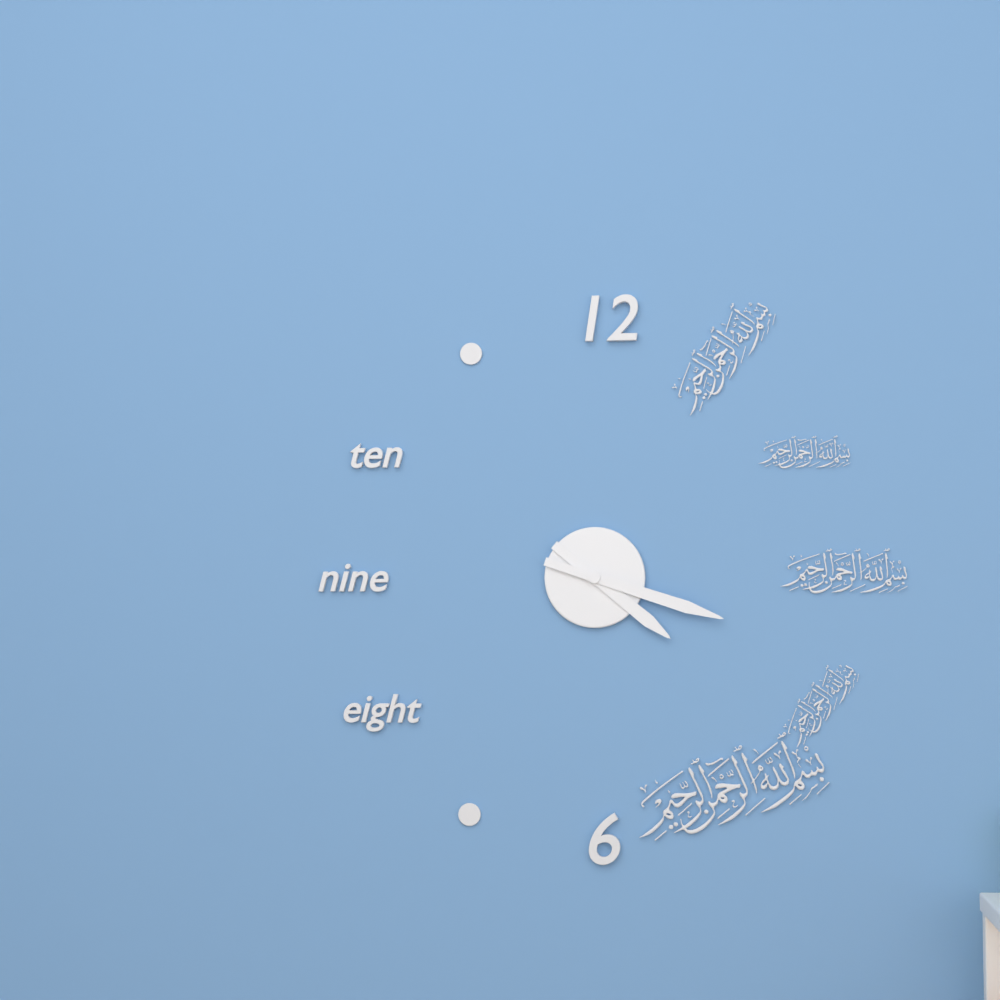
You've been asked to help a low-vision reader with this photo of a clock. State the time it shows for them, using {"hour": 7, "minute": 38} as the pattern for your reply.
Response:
{"hour": 4, "minute": 18}
